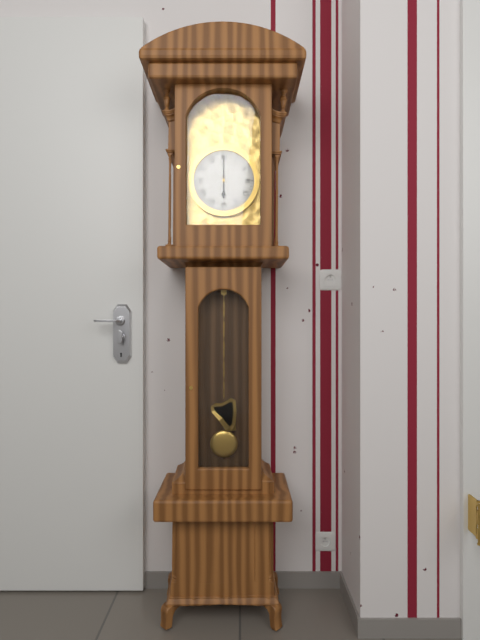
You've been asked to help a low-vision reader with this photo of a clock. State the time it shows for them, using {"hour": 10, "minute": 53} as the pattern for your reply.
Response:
{"hour": 6, "minute": 0}
